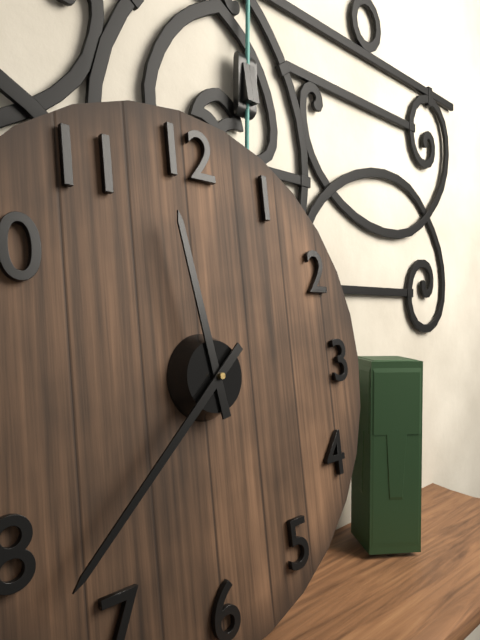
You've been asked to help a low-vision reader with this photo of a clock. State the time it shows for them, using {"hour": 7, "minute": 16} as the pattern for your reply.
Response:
{"hour": 11, "minute": 38}
